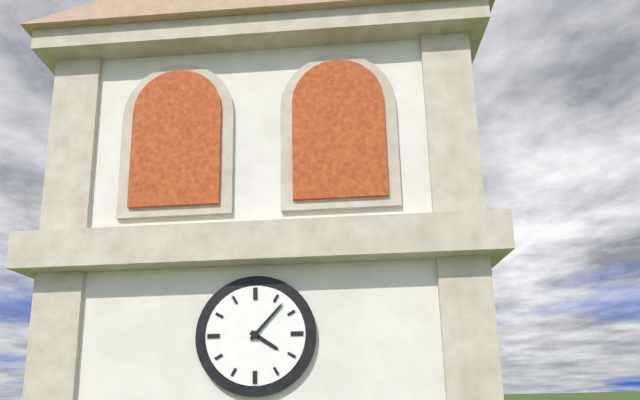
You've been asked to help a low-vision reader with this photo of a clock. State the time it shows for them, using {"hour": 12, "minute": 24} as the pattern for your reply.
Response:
{"hour": 4, "minute": 7}
